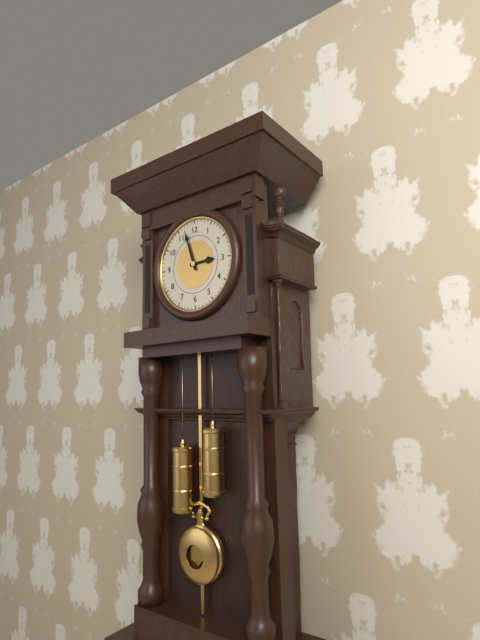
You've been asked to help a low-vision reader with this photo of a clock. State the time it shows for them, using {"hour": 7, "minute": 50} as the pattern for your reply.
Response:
{"hour": 2, "minute": 57}
